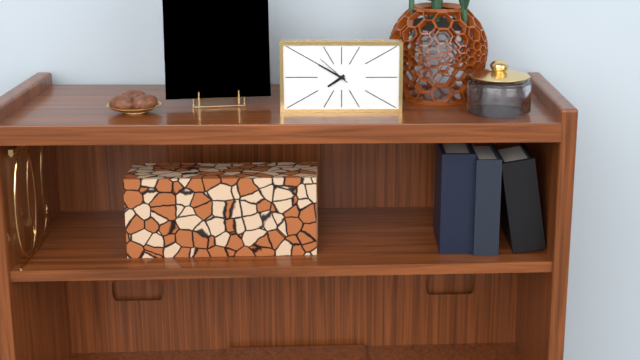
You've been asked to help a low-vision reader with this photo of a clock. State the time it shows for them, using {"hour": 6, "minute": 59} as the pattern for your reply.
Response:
{"hour": 7, "minute": 50}
